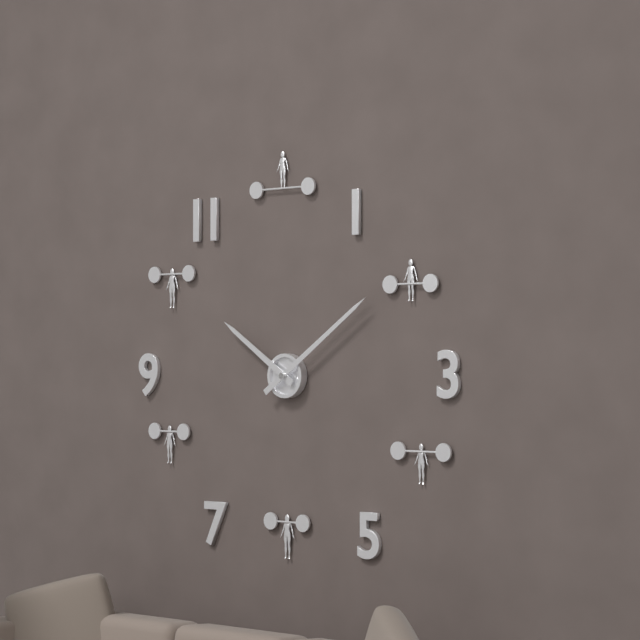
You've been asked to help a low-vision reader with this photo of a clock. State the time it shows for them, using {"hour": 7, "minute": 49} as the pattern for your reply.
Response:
{"hour": 10, "minute": 9}
